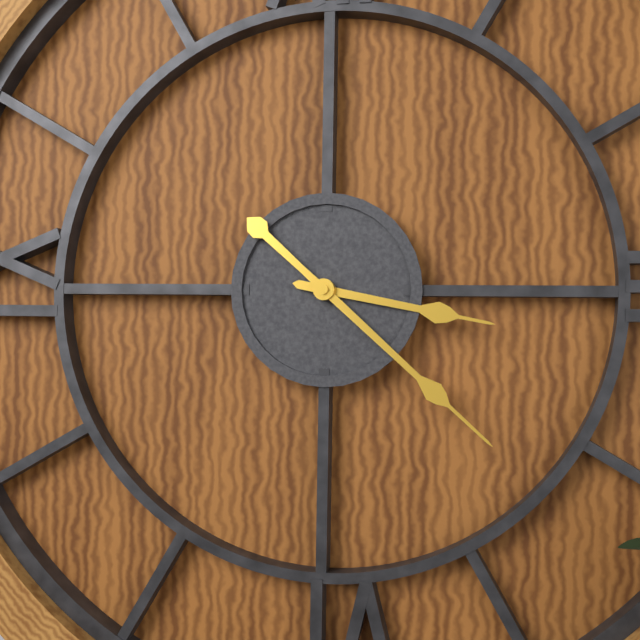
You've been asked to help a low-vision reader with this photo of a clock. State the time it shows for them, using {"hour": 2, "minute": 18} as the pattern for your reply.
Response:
{"hour": 3, "minute": 22}
